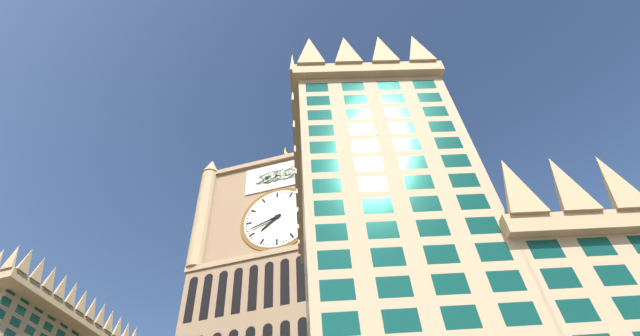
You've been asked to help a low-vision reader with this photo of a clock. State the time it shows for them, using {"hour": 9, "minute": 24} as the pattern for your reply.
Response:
{"hour": 7, "minute": 42}
